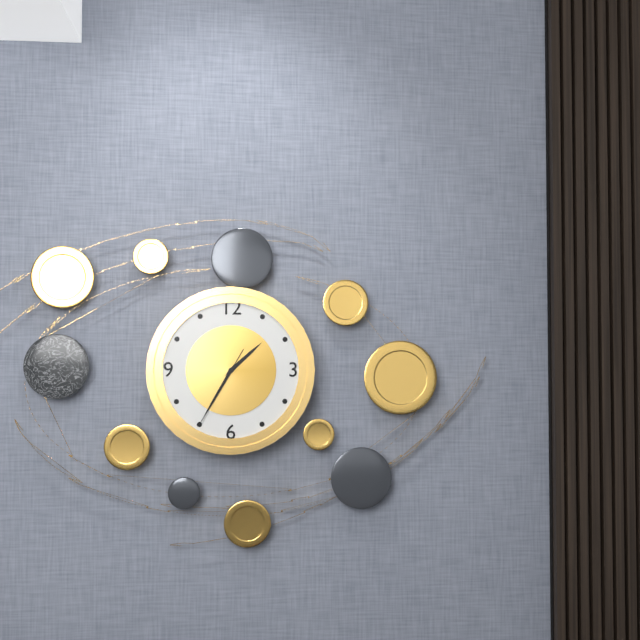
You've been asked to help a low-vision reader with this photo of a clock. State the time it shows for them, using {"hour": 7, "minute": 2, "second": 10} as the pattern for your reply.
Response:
{"hour": 1, "minute": 35, "second": 35}
